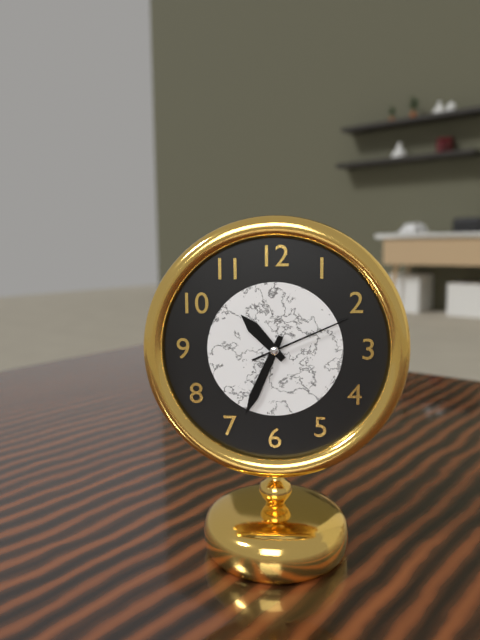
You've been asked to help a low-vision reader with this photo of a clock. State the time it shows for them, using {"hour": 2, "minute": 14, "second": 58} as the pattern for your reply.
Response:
{"hour": 10, "minute": 34, "second": 11}
